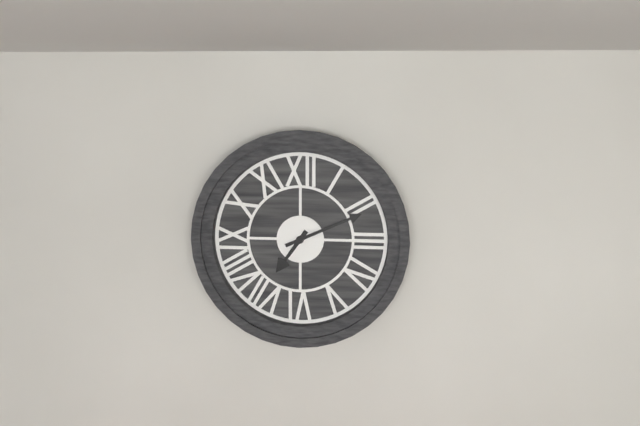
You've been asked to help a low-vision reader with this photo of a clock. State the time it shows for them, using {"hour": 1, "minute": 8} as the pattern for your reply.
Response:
{"hour": 7, "minute": 11}
